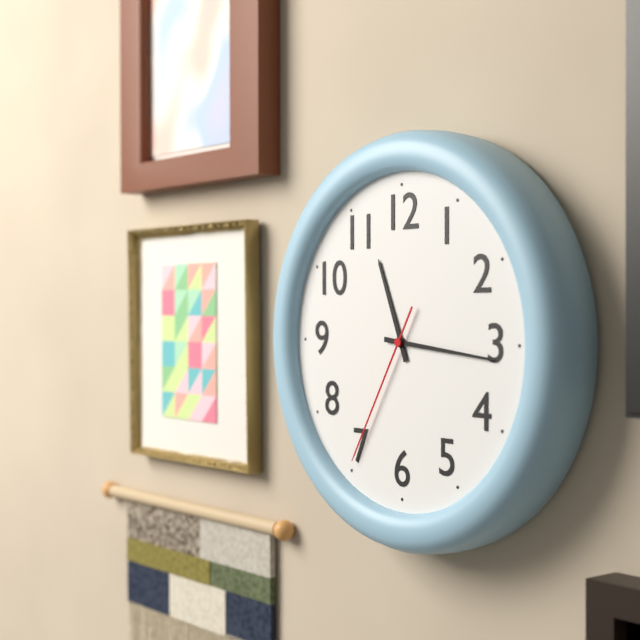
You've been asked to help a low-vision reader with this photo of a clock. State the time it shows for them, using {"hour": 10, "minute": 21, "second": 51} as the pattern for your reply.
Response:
{"hour": 11, "minute": 16, "second": 35}
